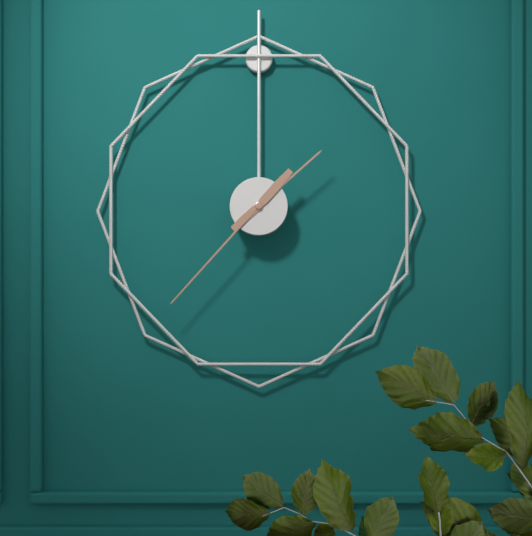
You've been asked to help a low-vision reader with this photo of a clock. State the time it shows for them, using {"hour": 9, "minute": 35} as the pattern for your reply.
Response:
{"hour": 1, "minute": 37}
